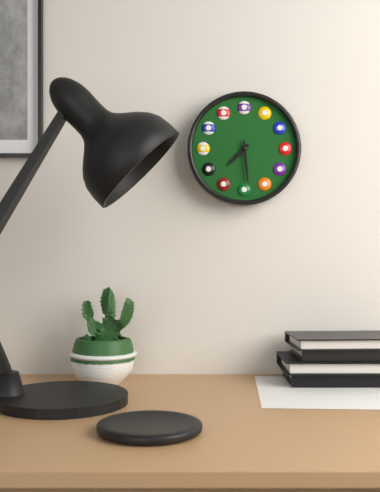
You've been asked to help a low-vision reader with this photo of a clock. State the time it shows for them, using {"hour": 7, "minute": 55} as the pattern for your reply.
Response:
{"hour": 7, "minute": 29}
